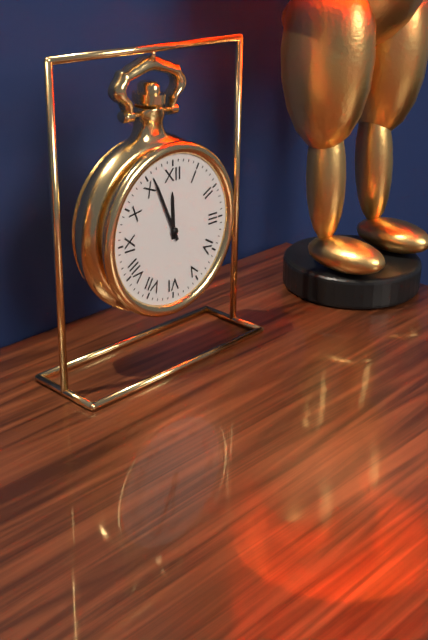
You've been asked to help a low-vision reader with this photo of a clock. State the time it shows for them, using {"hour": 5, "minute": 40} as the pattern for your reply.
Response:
{"hour": 11, "minute": 56}
